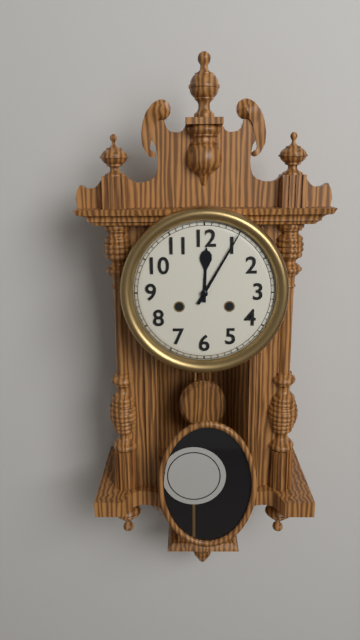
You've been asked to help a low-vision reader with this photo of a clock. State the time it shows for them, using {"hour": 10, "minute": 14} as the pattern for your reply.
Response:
{"hour": 12, "minute": 5}
